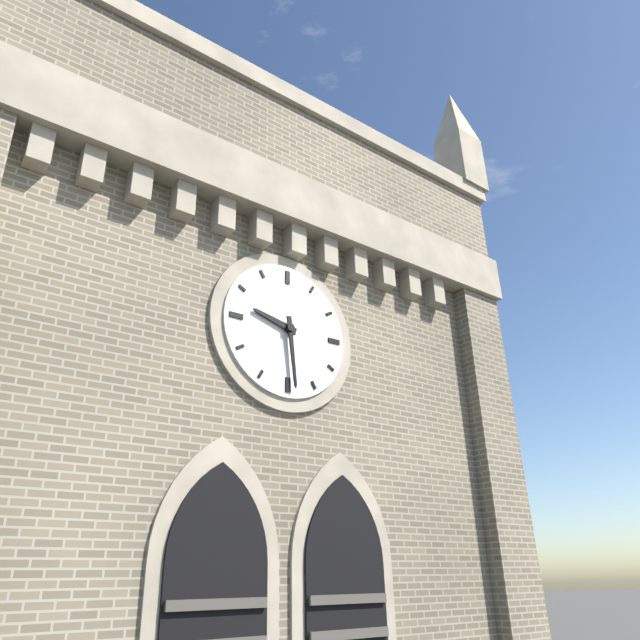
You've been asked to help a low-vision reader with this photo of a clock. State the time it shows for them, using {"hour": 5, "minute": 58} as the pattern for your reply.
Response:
{"hour": 9, "minute": 29}
